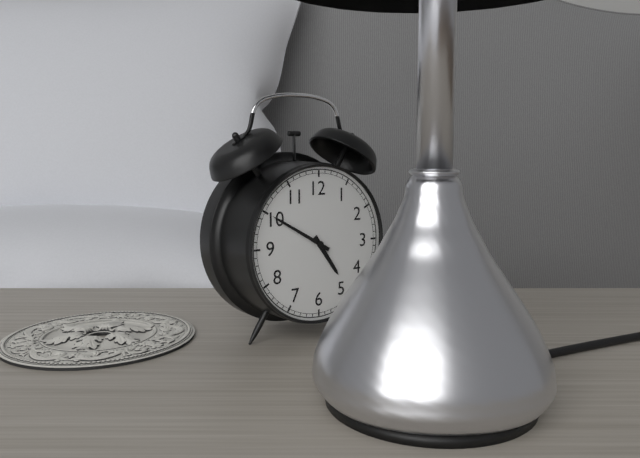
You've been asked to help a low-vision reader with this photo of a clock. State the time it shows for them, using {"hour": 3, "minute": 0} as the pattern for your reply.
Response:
{"hour": 4, "minute": 50}
